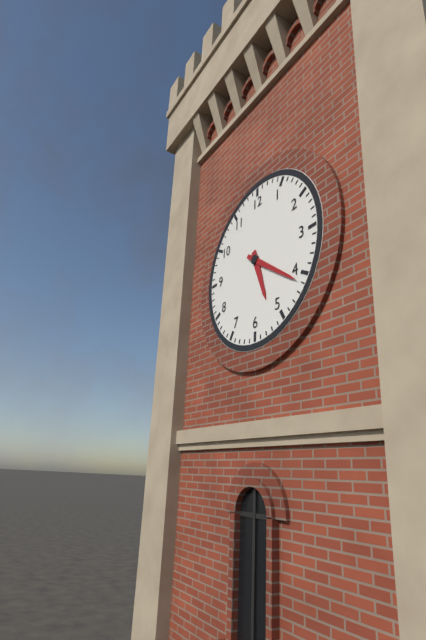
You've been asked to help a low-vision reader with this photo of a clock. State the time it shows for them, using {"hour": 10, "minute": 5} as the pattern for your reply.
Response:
{"hour": 5, "minute": 21}
